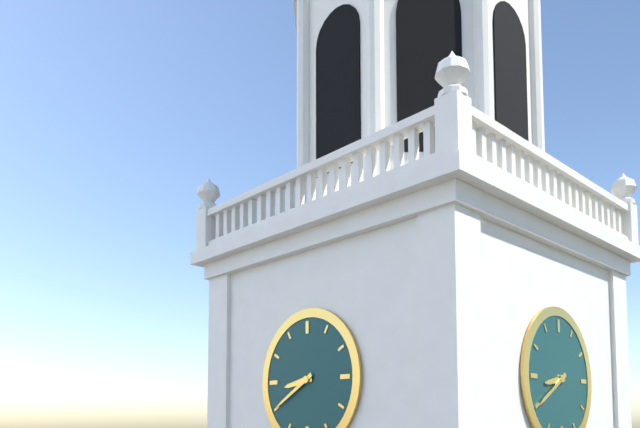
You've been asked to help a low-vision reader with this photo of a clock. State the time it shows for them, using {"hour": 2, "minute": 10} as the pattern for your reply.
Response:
{"hour": 8, "minute": 40}
